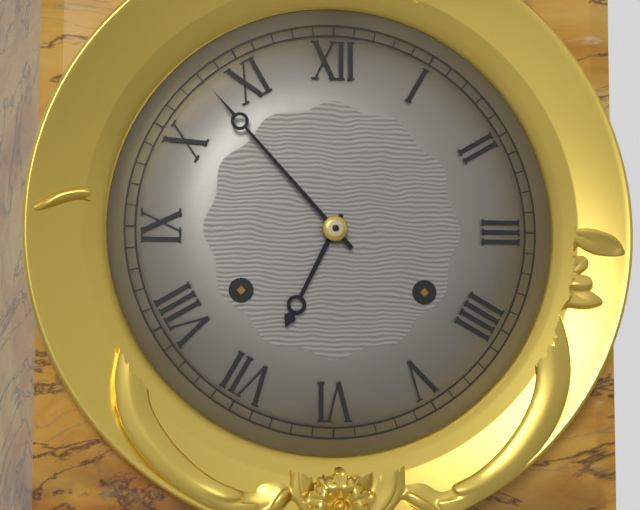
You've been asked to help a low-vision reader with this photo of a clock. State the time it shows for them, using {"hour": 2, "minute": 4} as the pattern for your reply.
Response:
{"hour": 6, "minute": 53}
